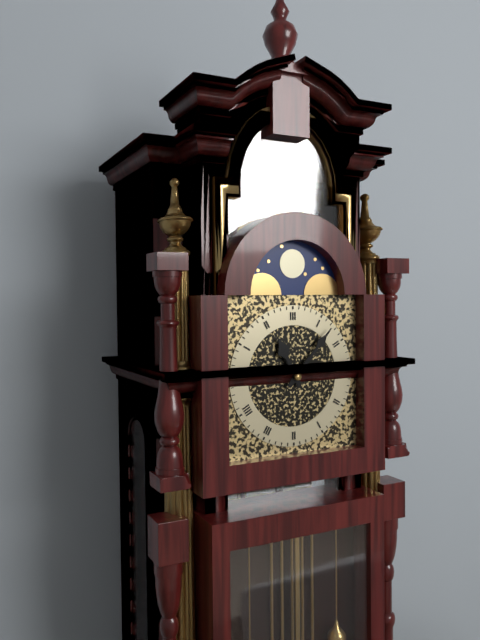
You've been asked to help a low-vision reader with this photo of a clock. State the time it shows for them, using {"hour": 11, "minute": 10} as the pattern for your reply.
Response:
{"hour": 11, "minute": 7}
